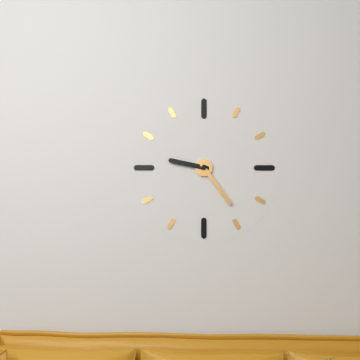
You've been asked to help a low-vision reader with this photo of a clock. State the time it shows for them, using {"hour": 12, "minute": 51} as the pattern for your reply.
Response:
{"hour": 9, "minute": 24}
